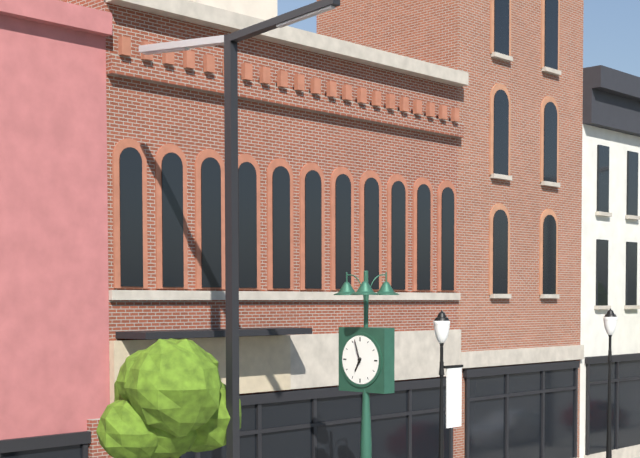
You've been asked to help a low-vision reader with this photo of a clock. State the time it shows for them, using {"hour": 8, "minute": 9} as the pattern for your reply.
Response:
{"hour": 6, "minute": 57}
